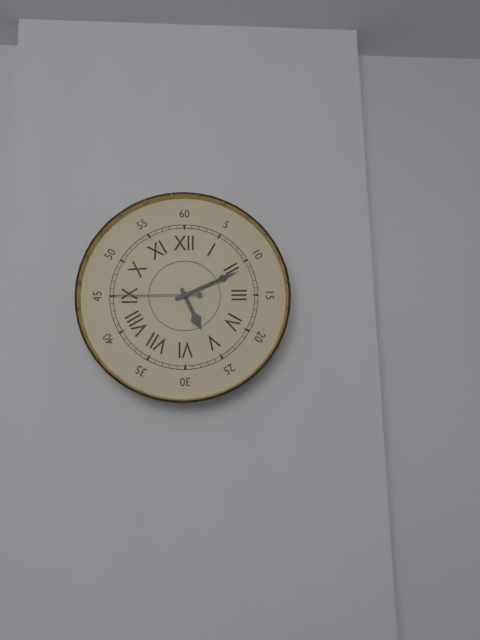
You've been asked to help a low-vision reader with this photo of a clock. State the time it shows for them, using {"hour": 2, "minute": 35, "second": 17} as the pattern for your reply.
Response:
{"hour": 5, "minute": 11, "second": 45}
